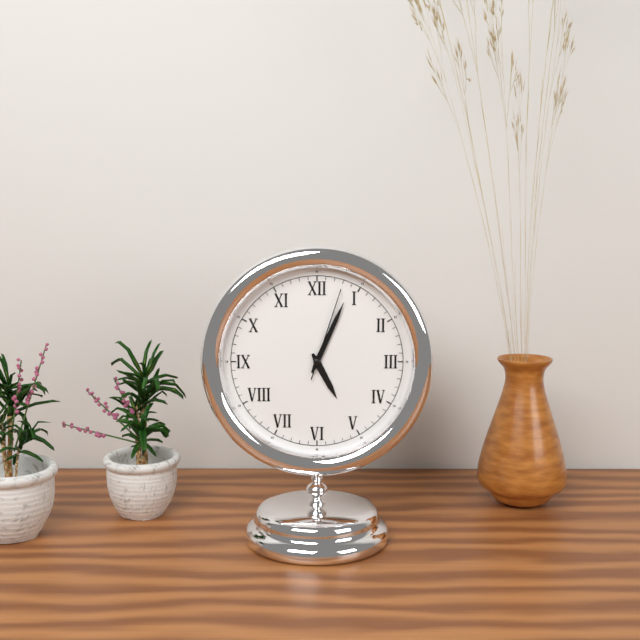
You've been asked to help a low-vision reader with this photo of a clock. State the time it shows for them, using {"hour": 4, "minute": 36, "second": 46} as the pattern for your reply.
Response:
{"hour": 5, "minute": 4, "second": 3}
